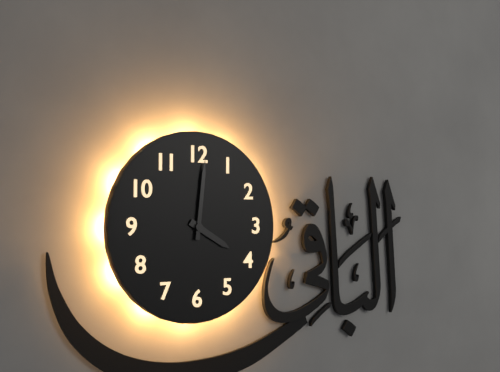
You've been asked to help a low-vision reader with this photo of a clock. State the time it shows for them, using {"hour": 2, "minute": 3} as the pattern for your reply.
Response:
{"hour": 4, "minute": 1}
